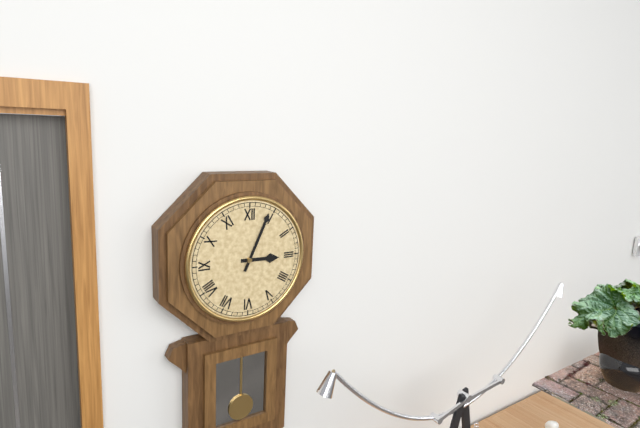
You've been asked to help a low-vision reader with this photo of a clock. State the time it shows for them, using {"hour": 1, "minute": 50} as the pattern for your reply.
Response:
{"hour": 3, "minute": 4}
